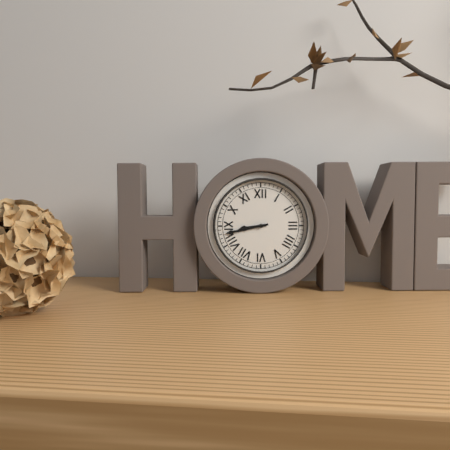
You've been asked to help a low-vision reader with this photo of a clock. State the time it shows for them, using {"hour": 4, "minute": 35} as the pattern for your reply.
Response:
{"hour": 8, "minute": 43}
